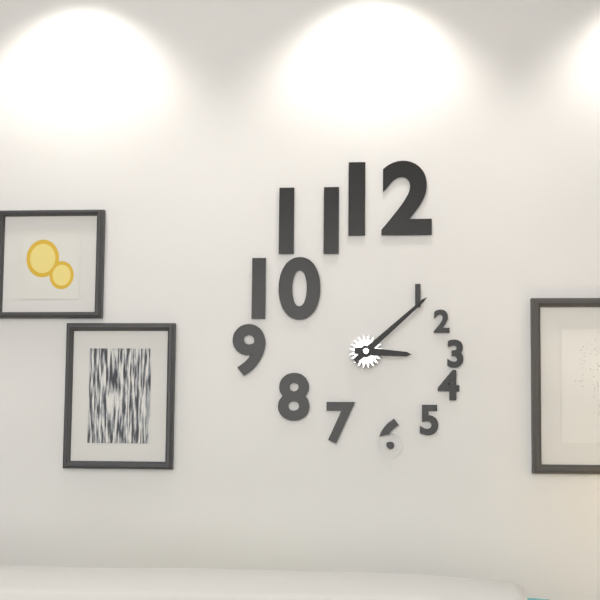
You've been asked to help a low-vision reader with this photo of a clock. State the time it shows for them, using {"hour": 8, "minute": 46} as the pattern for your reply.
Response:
{"hour": 3, "minute": 8}
